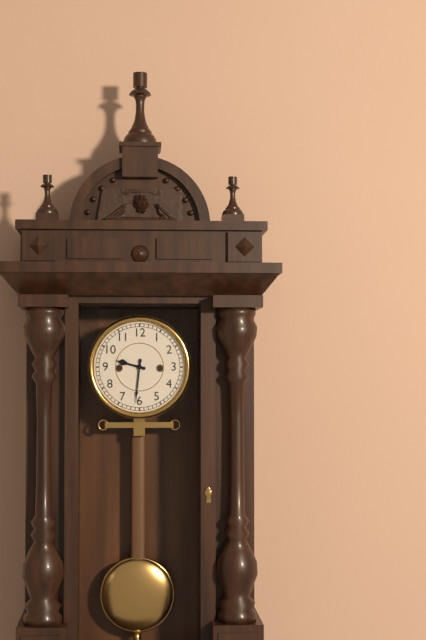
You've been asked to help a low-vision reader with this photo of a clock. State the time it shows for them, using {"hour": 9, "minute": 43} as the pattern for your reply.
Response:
{"hour": 9, "minute": 31}
